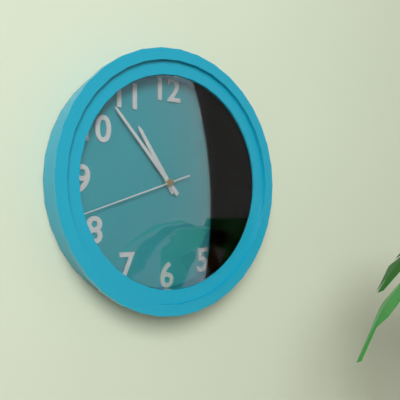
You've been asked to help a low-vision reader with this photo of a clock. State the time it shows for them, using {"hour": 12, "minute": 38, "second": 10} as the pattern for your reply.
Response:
{"hour": 10, "minute": 53, "second": 42}
